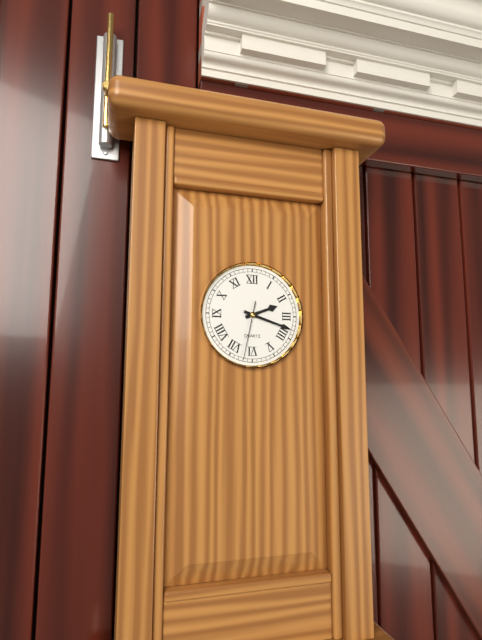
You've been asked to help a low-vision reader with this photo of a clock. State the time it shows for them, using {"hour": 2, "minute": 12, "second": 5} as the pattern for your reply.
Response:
{"hour": 2, "minute": 18, "second": 32}
